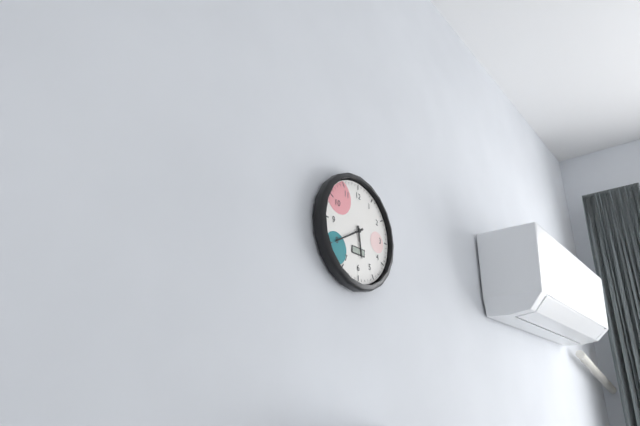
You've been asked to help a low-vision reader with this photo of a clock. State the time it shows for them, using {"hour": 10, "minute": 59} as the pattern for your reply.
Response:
{"hour": 5, "minute": 40}
